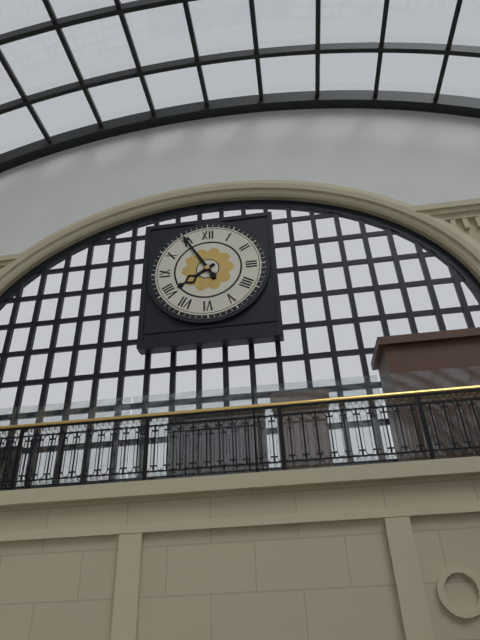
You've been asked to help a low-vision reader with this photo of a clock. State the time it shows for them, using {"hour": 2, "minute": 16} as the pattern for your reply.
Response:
{"hour": 7, "minute": 55}
